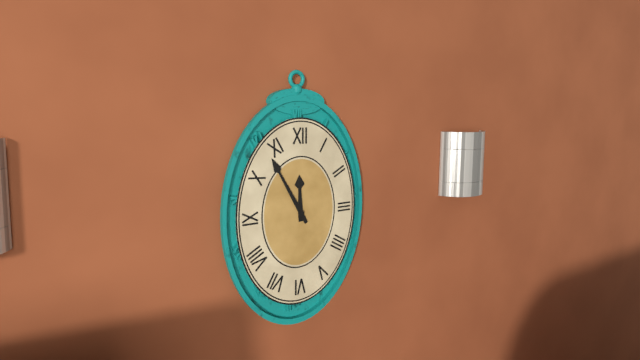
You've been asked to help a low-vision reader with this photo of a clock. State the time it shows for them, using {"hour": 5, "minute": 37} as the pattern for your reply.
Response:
{"hour": 11, "minute": 55}
